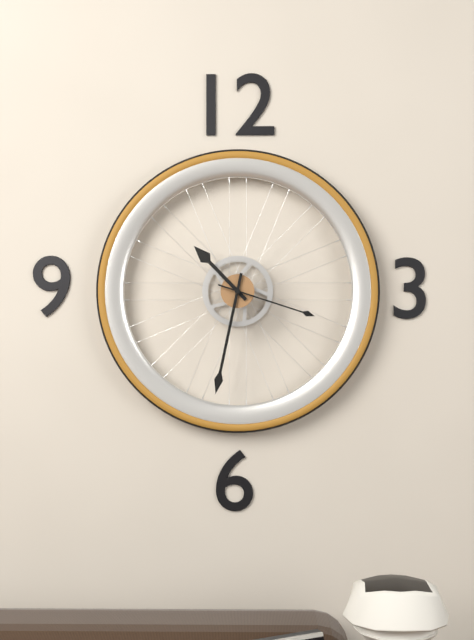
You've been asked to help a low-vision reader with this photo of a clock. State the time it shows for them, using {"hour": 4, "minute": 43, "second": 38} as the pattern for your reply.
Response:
{"hour": 10, "minute": 32, "second": 18}
